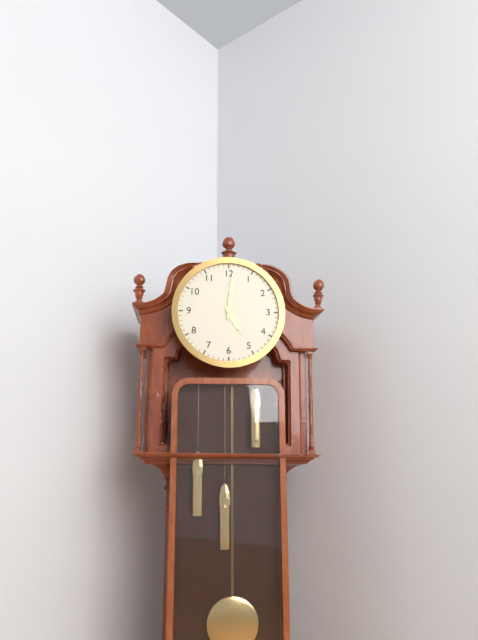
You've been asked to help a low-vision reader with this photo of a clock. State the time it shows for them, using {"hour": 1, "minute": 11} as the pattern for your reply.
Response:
{"hour": 5, "minute": 1}
